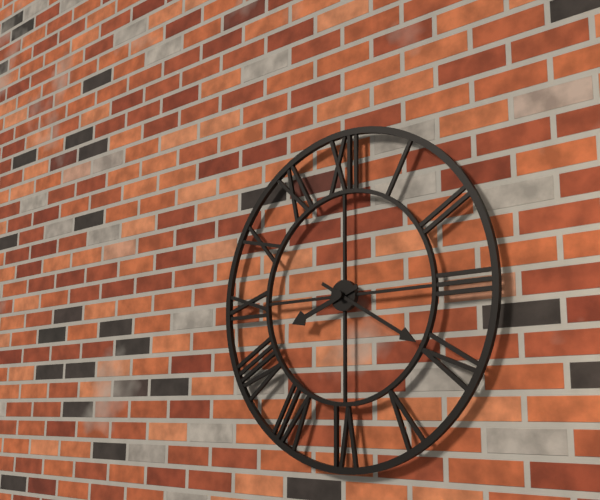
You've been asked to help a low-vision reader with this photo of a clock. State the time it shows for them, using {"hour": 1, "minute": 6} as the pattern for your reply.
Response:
{"hour": 8, "minute": 20}
